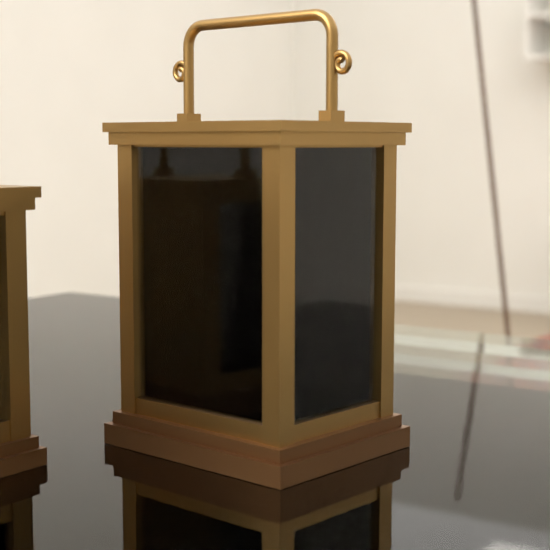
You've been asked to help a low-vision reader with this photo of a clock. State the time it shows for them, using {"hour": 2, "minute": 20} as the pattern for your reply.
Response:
{"hour": 4, "minute": 31}
